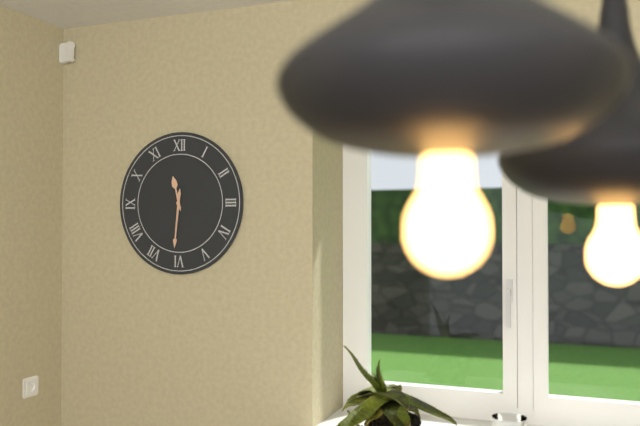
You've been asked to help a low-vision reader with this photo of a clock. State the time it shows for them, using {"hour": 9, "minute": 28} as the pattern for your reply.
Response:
{"hour": 11, "minute": 31}
